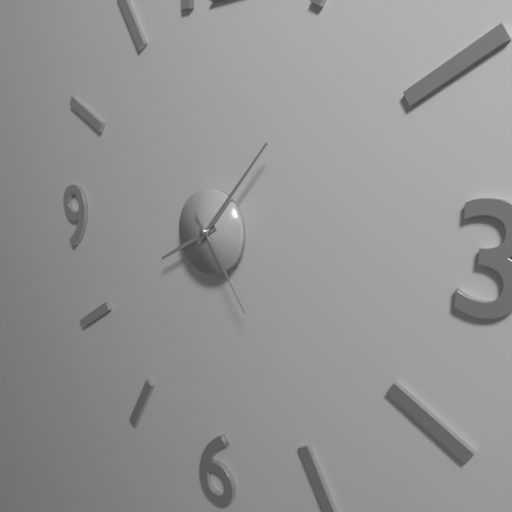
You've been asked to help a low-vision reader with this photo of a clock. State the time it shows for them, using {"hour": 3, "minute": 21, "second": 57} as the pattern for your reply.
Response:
{"hour": 8, "minute": 7, "second": 24}
